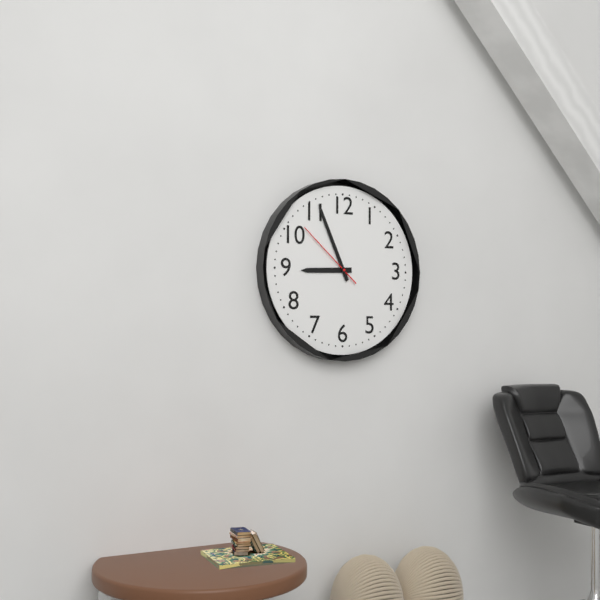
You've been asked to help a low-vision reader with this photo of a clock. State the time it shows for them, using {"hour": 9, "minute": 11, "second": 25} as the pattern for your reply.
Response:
{"hour": 8, "minute": 56, "second": 52}
